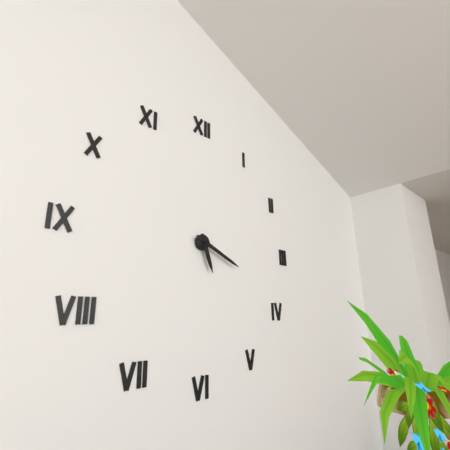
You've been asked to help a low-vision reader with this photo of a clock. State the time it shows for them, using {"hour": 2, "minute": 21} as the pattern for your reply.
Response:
{"hour": 5, "minute": 19}
